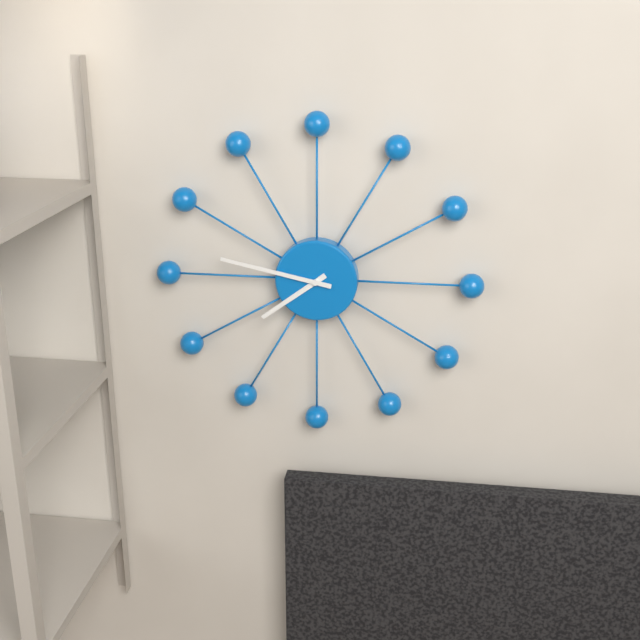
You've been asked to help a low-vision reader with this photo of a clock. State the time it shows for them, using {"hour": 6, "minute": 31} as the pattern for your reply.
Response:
{"hour": 7, "minute": 47}
